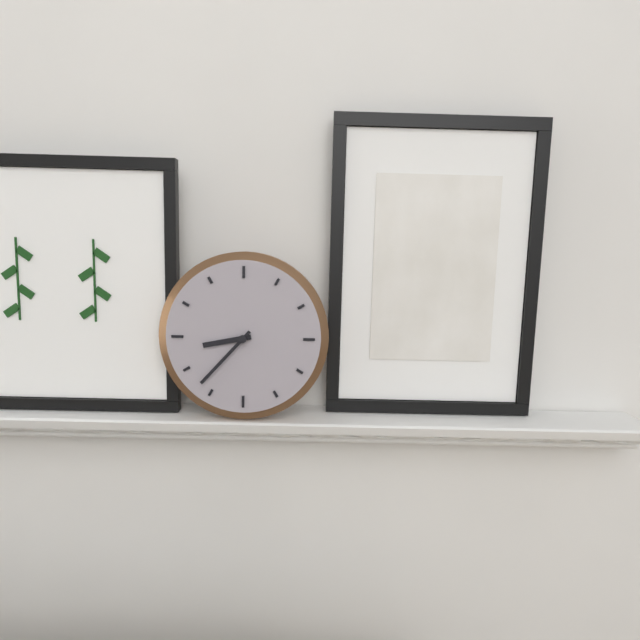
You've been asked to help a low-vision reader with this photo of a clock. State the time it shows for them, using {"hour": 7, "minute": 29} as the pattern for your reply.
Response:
{"hour": 8, "minute": 37}
